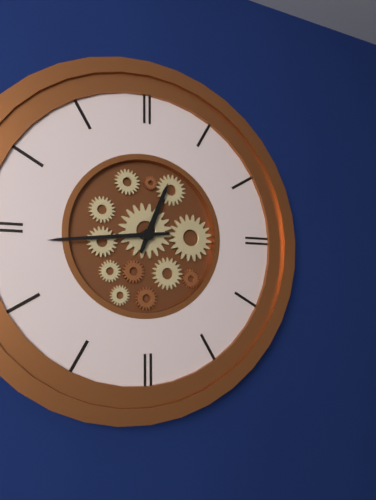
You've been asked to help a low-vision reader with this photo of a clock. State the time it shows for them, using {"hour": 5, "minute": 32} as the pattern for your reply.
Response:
{"hour": 12, "minute": 44}
